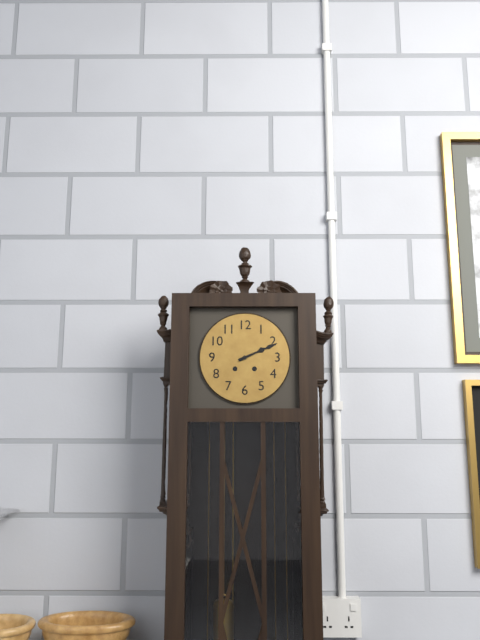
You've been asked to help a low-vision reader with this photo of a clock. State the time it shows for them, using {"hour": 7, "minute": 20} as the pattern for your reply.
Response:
{"hour": 2, "minute": 11}
